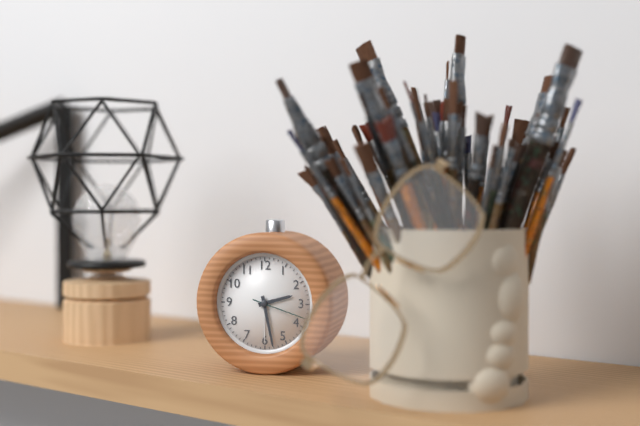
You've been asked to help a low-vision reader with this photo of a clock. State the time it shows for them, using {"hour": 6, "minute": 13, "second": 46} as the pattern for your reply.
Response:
{"hour": 2, "minute": 28, "second": 18}
